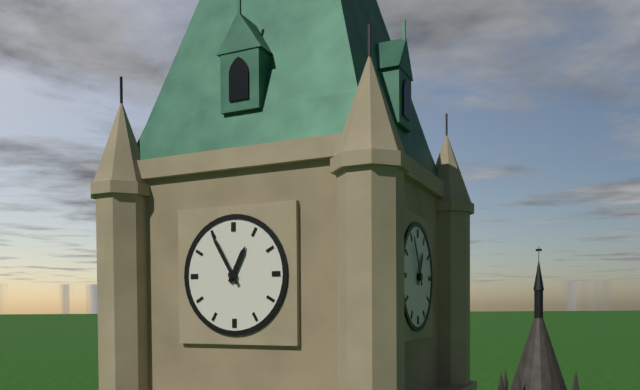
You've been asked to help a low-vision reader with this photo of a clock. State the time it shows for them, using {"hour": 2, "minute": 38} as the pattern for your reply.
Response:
{"hour": 12, "minute": 55}
